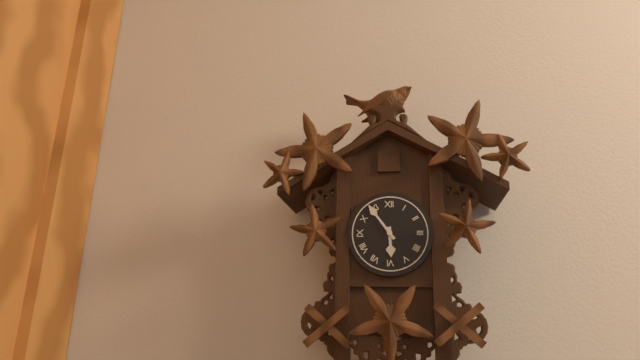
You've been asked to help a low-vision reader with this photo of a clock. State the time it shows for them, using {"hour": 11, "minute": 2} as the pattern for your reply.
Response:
{"hour": 5, "minute": 54}
